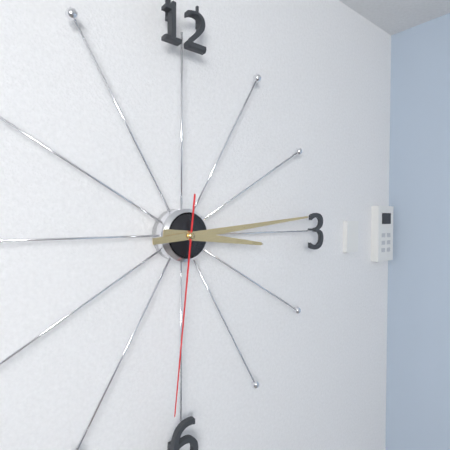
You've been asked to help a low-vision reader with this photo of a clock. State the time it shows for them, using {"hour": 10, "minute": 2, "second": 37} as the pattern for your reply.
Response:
{"hour": 3, "minute": 14, "second": 31}
